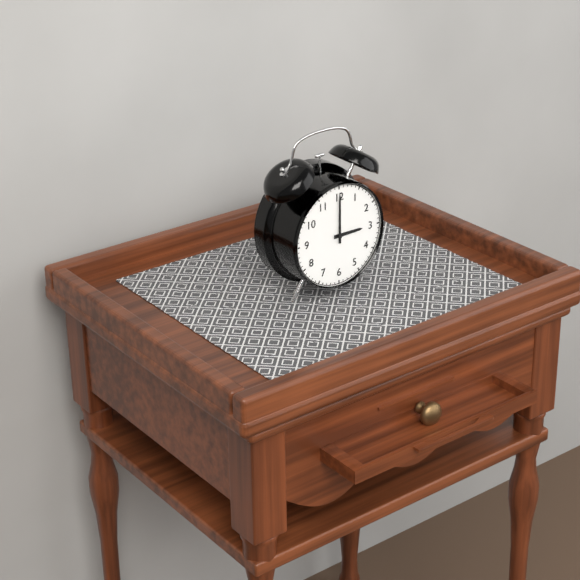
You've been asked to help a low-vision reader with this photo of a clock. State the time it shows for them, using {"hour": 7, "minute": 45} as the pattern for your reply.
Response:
{"hour": 3, "minute": 0}
